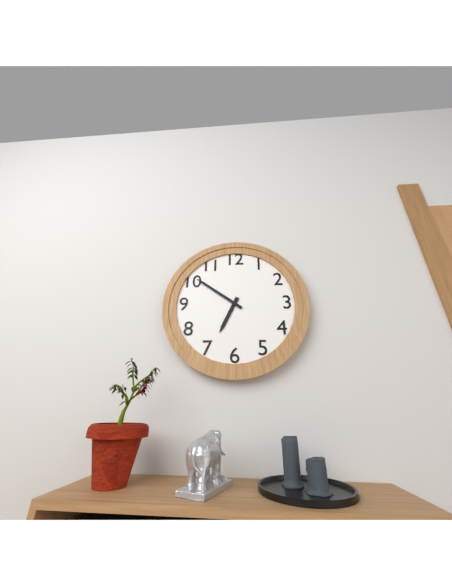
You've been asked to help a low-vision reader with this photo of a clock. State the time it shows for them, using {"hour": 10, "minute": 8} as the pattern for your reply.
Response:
{"hour": 6, "minute": 51}
